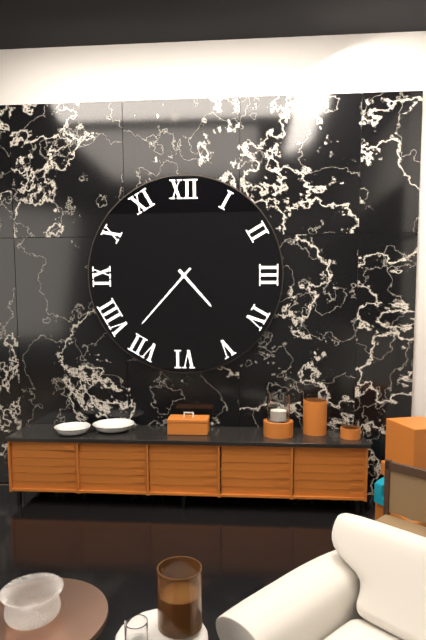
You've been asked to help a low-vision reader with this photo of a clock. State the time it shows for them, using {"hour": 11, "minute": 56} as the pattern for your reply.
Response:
{"hour": 4, "minute": 37}
